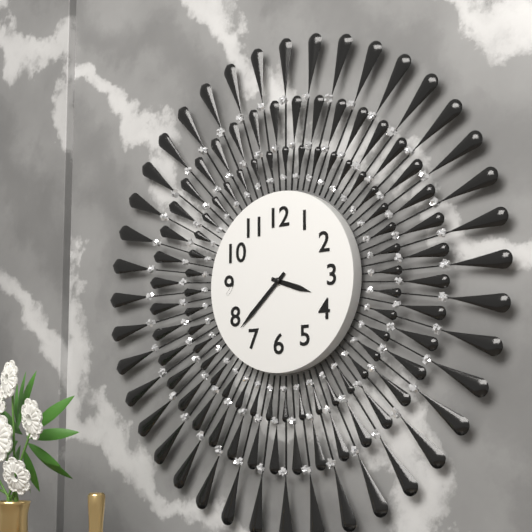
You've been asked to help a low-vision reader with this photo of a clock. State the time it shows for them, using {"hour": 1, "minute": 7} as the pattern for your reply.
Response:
{"hour": 3, "minute": 38}
